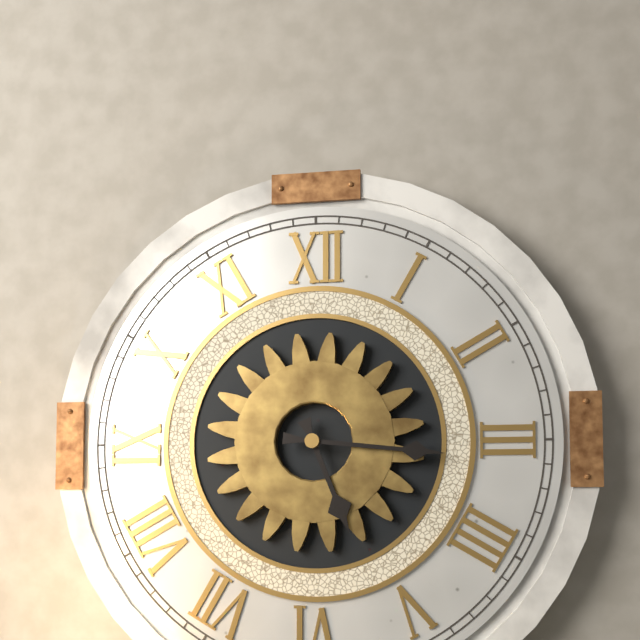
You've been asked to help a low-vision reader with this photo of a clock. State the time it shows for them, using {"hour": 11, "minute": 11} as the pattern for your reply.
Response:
{"hour": 5, "minute": 16}
